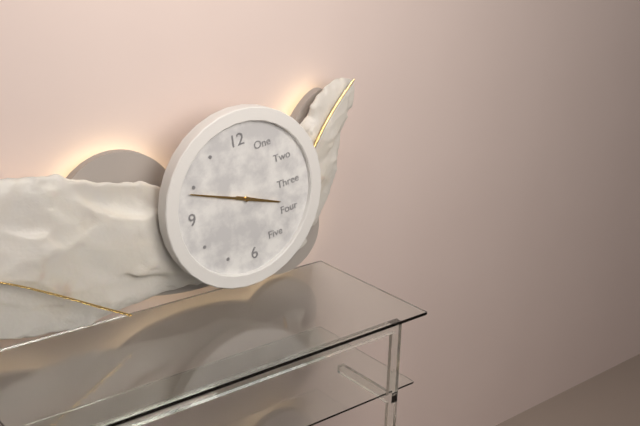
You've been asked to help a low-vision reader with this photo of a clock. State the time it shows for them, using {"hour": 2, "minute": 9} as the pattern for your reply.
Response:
{"hour": 3, "minute": 49}
